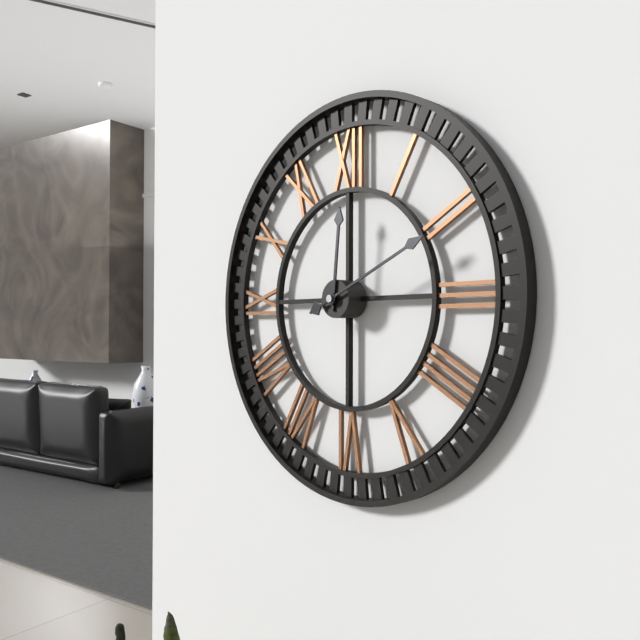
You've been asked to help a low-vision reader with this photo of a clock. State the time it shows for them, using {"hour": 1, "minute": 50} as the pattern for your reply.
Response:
{"hour": 12, "minute": 11}
